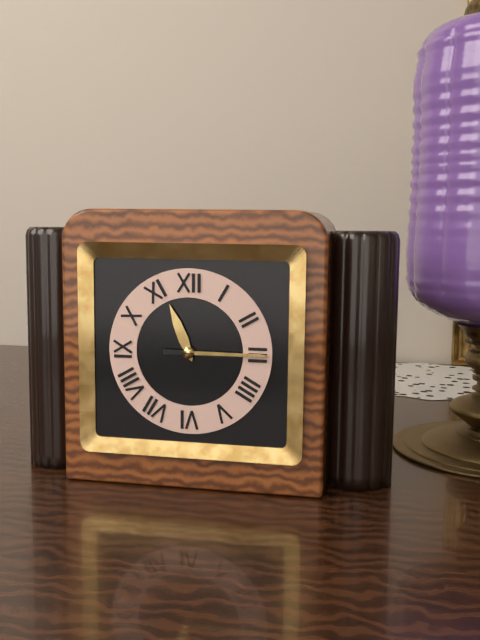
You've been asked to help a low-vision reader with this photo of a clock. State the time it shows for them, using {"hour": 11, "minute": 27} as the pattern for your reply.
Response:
{"hour": 11, "minute": 15}
